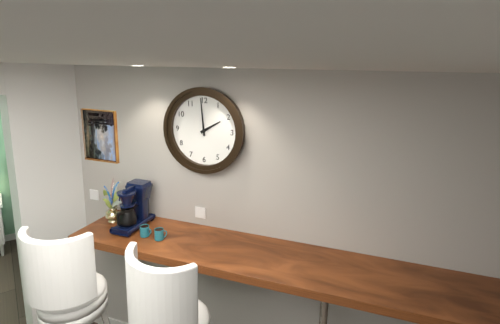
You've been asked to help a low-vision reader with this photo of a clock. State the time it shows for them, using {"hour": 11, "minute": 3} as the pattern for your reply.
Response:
{"hour": 1, "minute": 59}
